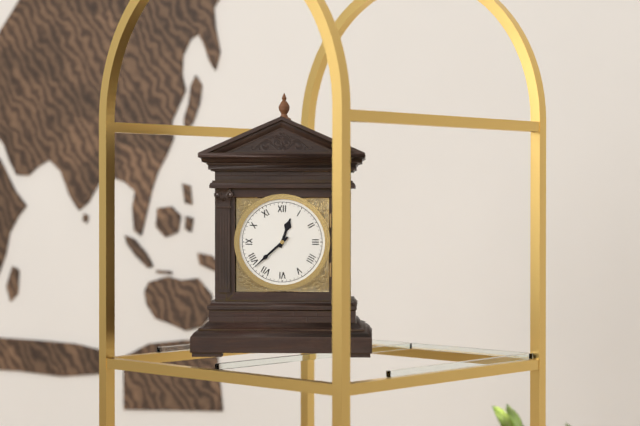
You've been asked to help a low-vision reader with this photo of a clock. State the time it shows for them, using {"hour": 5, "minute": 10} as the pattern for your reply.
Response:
{"hour": 12, "minute": 38}
